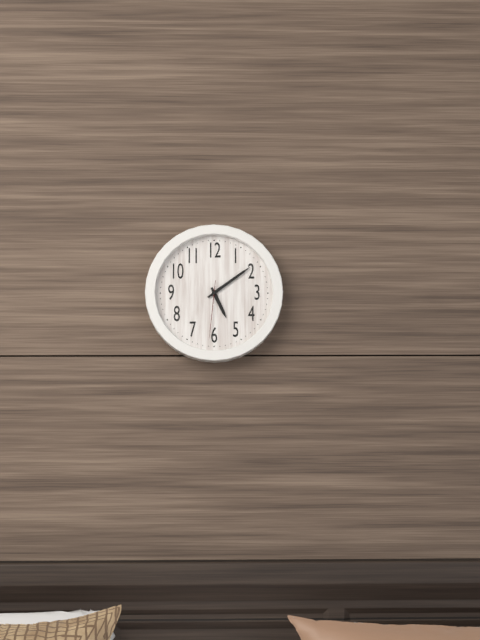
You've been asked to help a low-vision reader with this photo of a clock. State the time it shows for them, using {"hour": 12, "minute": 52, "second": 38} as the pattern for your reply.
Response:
{"hour": 5, "minute": 9, "second": 31}
